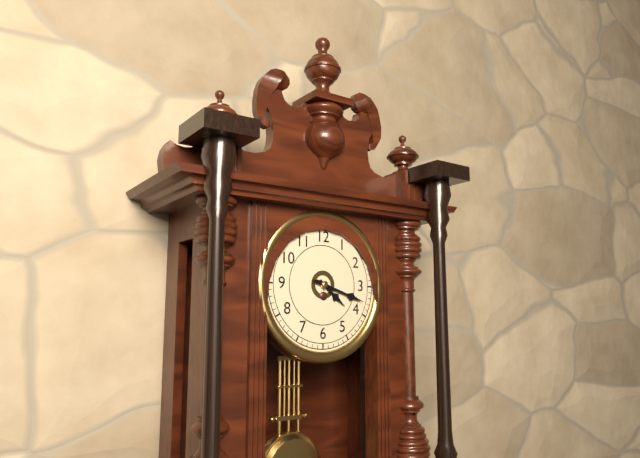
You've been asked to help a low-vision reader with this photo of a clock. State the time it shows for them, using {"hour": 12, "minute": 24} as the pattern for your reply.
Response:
{"hour": 4, "minute": 18}
